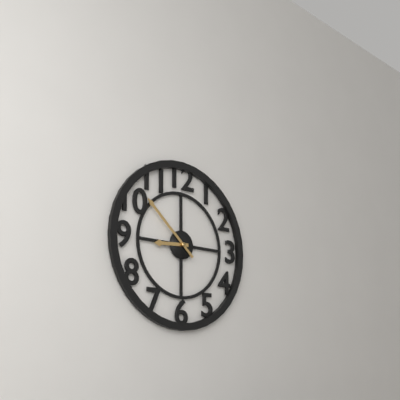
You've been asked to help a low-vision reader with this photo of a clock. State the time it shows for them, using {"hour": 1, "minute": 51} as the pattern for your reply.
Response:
{"hour": 8, "minute": 52}
